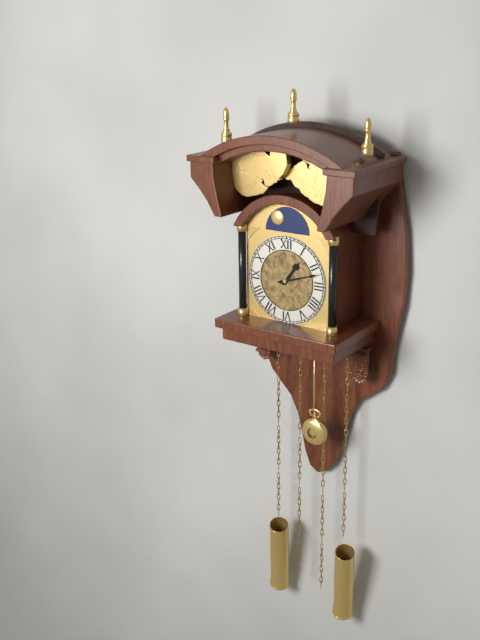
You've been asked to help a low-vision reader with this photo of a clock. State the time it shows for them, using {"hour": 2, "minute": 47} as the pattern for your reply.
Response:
{"hour": 1, "minute": 12}
